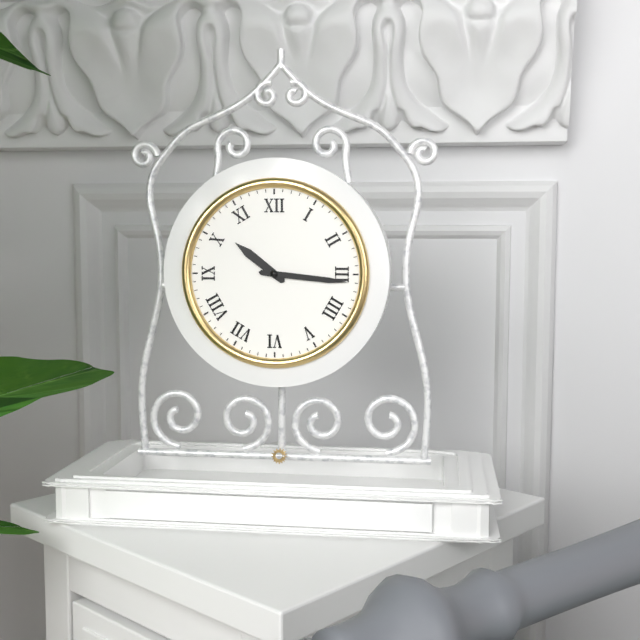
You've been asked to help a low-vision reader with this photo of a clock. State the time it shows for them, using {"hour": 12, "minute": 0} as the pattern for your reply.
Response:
{"hour": 10, "minute": 16}
